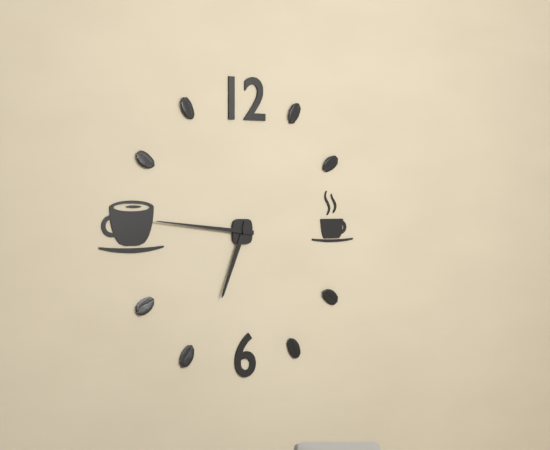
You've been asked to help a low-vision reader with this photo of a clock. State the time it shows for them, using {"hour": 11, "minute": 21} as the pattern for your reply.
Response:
{"hour": 6, "minute": 46}
